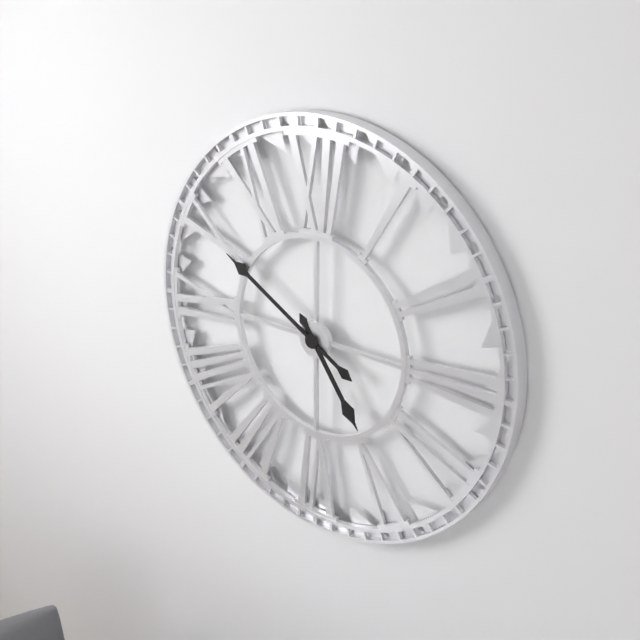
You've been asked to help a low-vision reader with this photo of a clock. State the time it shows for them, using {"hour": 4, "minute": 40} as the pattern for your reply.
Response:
{"hour": 4, "minute": 50}
